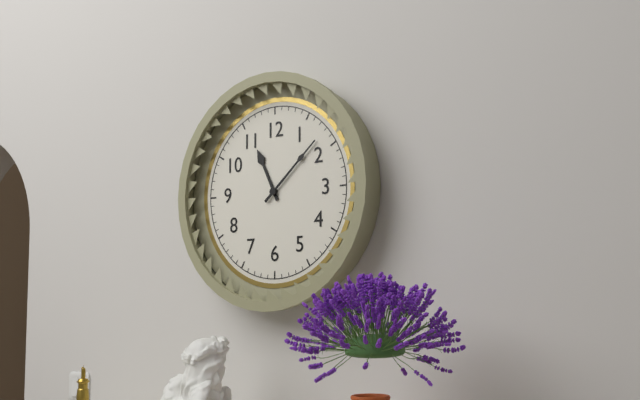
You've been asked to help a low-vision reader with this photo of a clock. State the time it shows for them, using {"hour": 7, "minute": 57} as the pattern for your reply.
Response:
{"hour": 11, "minute": 8}
